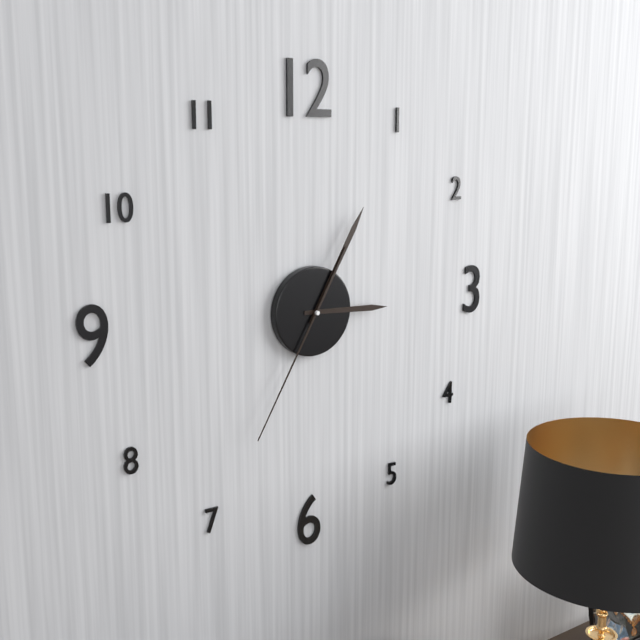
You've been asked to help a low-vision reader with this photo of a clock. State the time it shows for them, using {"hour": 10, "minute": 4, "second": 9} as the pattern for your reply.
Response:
{"hour": 3, "minute": 5, "second": 35}
